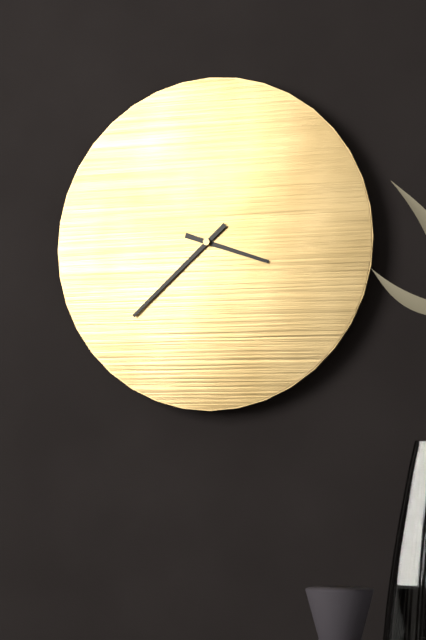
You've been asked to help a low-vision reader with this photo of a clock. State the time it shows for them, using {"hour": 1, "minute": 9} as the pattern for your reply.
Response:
{"hour": 3, "minute": 38}
